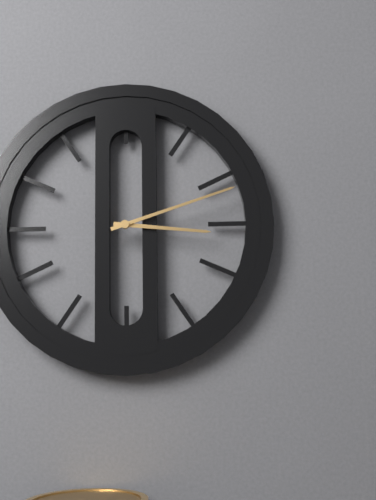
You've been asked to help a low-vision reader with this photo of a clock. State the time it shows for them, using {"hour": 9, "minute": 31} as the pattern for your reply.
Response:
{"hour": 3, "minute": 12}
